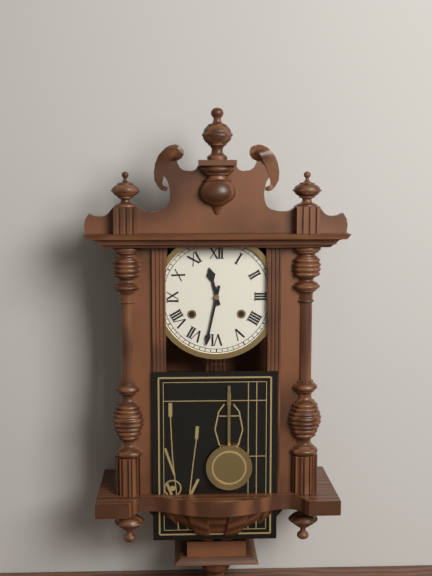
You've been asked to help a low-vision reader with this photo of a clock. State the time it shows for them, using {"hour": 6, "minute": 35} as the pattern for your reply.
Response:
{"hour": 11, "minute": 32}
